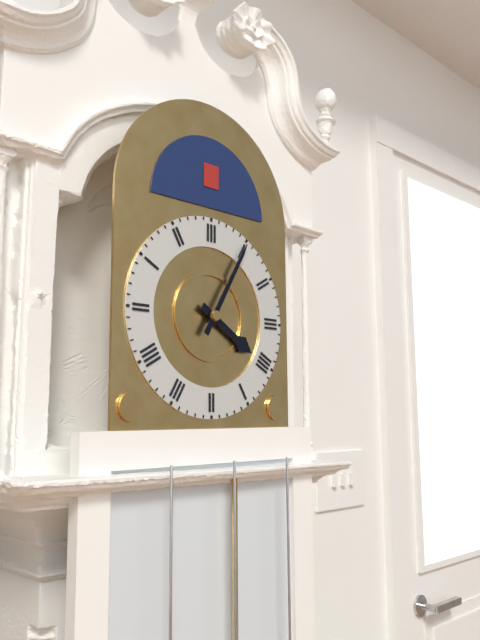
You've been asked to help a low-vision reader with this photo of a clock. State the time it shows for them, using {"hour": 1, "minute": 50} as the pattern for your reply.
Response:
{"hour": 4, "minute": 5}
